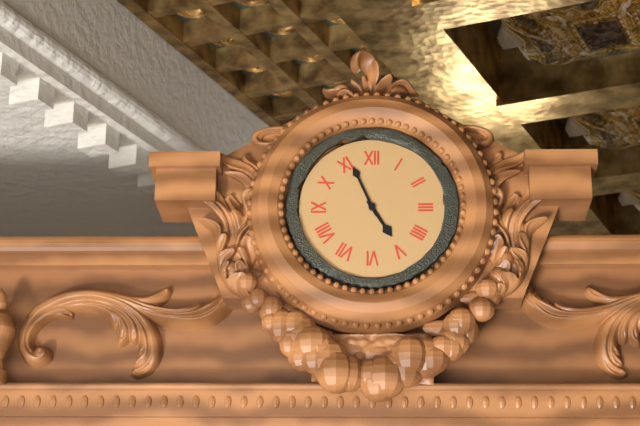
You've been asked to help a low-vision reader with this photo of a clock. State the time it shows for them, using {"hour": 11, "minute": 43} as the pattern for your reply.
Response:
{"hour": 4, "minute": 56}
